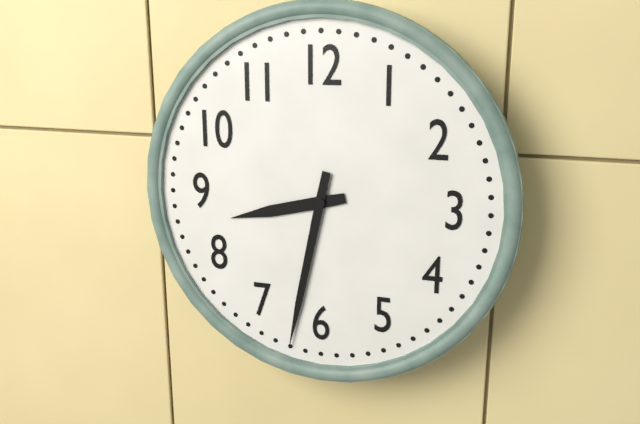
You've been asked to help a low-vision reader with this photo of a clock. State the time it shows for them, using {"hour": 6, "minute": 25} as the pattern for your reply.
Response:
{"hour": 8, "minute": 32}
